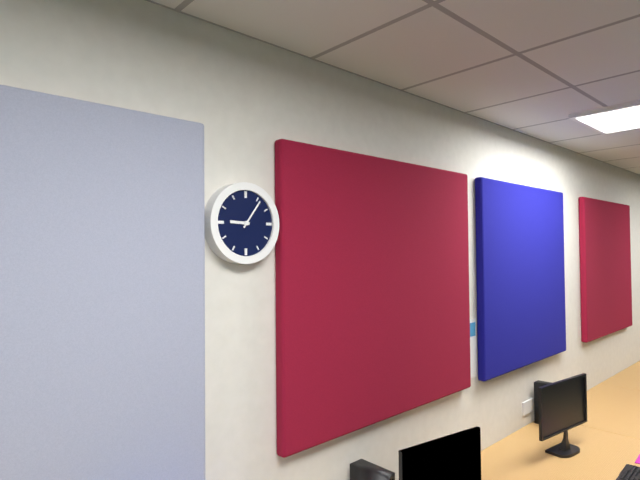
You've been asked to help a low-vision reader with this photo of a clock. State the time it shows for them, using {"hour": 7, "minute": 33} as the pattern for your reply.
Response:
{"hour": 9, "minute": 6}
